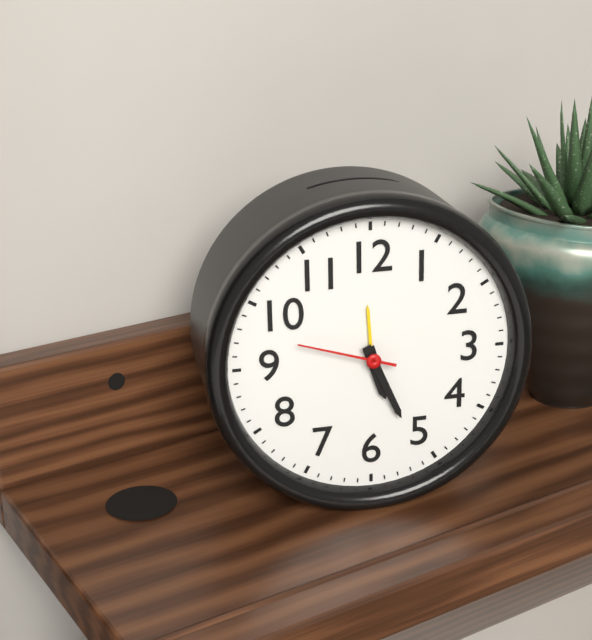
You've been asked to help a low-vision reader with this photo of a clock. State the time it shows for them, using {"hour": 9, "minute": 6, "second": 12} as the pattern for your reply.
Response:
{"hour": 5, "minute": 26, "second": 48}
